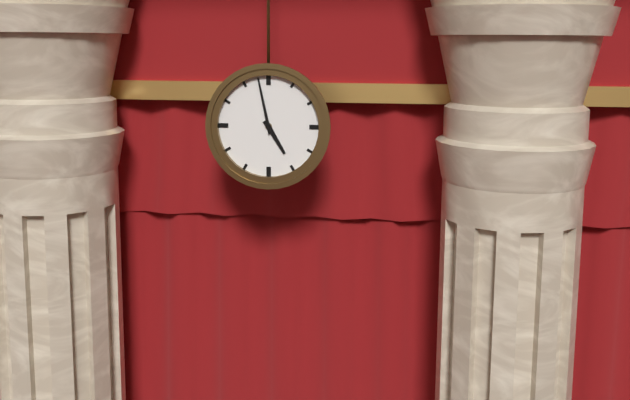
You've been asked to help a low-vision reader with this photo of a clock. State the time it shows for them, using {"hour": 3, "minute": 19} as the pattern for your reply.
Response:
{"hour": 4, "minute": 58}
